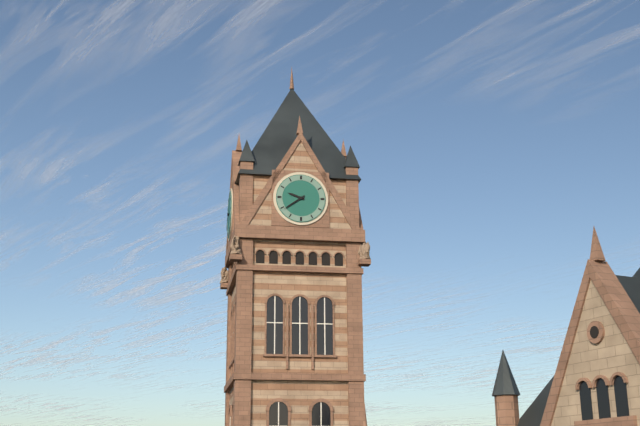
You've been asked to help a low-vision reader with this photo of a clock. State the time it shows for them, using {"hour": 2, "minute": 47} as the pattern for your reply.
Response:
{"hour": 9, "minute": 39}
